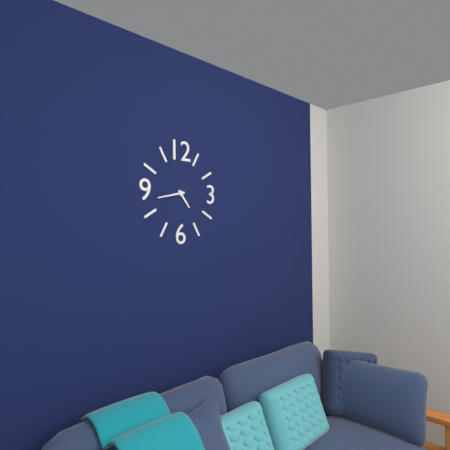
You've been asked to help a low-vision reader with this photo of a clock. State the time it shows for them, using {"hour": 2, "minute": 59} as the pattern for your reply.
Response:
{"hour": 4, "minute": 43}
